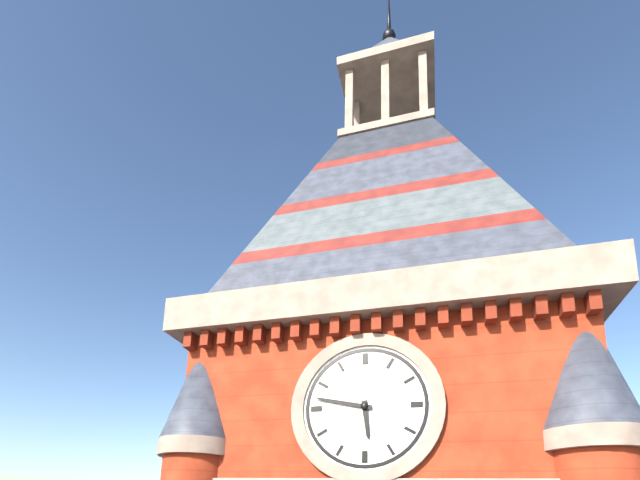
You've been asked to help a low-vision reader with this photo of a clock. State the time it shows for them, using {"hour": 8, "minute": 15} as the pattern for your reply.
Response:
{"hour": 5, "minute": 47}
